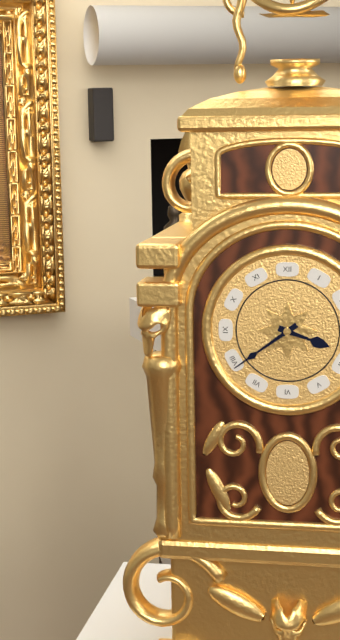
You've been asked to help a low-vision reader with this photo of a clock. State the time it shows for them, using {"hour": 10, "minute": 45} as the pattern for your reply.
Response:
{"hour": 3, "minute": 39}
